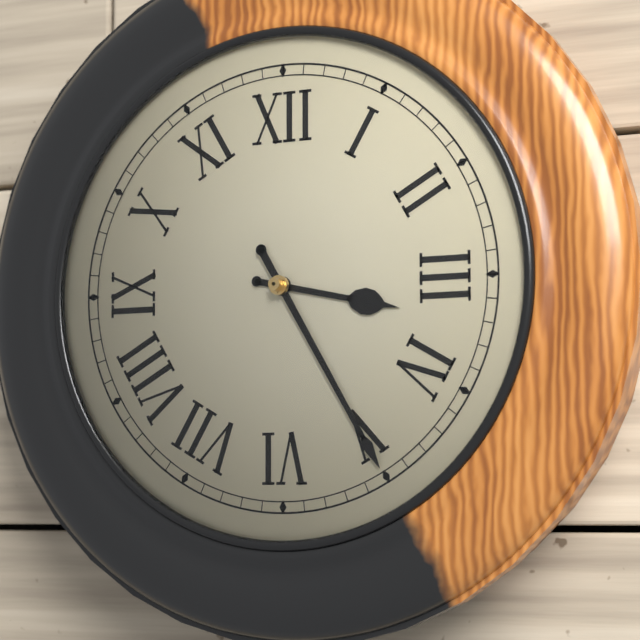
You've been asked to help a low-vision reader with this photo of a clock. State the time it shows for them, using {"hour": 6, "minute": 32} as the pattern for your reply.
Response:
{"hour": 3, "minute": 25}
